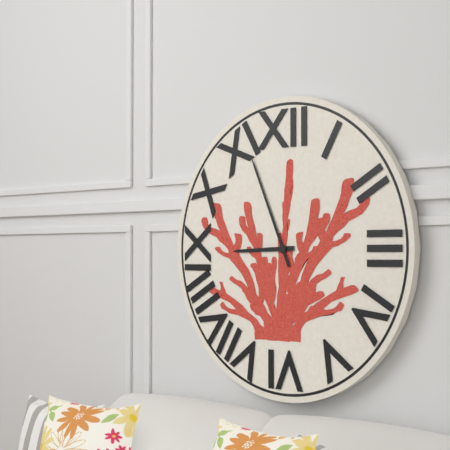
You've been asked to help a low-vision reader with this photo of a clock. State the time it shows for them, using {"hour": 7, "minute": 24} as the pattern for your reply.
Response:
{"hour": 8, "minute": 56}
